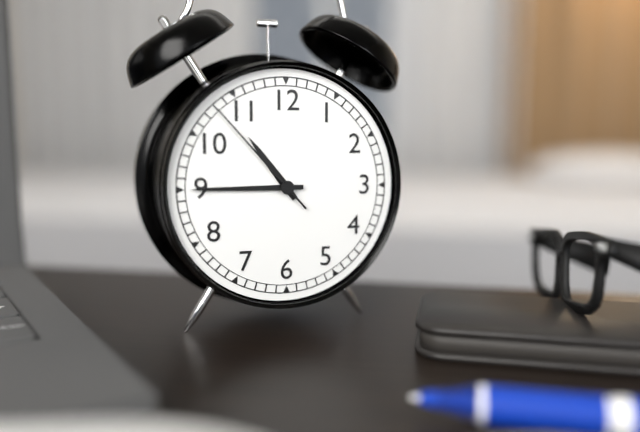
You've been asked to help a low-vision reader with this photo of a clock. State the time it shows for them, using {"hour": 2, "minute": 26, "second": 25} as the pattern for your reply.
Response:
{"hour": 10, "minute": 45, "second": 53}
